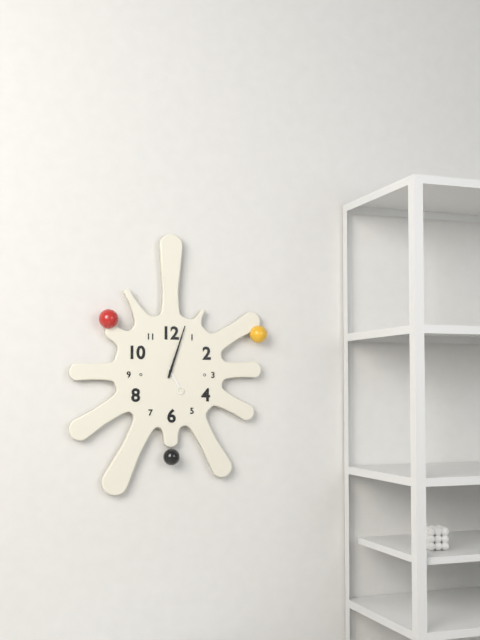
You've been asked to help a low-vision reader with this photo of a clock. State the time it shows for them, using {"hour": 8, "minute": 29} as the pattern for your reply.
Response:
{"hour": 5, "minute": 3}
